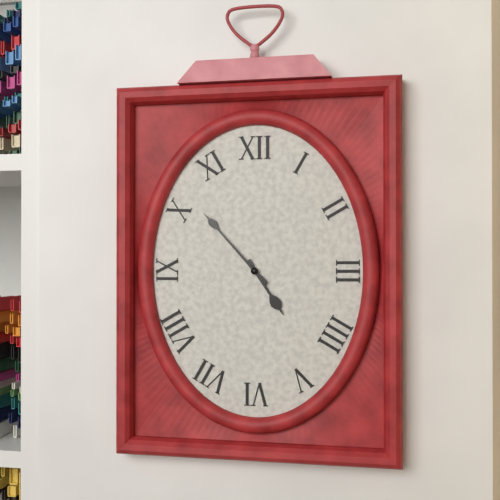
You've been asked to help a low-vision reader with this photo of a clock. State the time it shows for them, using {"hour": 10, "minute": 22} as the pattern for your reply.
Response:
{"hour": 4, "minute": 53}
